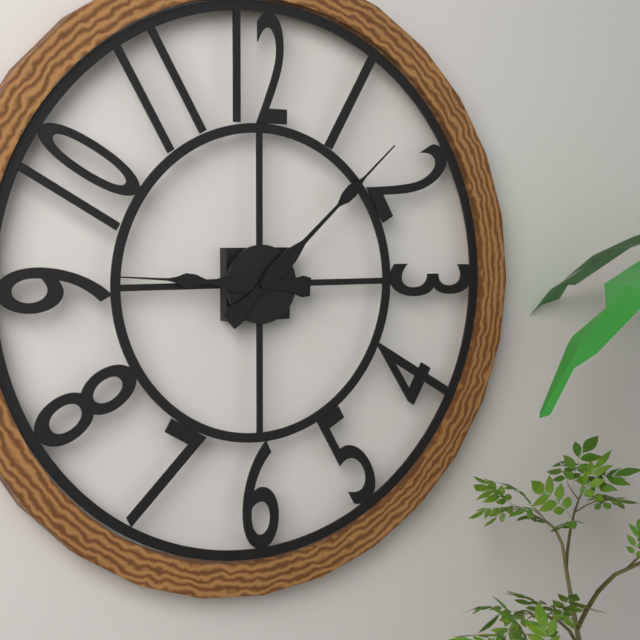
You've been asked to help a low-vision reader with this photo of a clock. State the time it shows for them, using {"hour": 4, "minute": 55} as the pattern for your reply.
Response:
{"hour": 9, "minute": 8}
